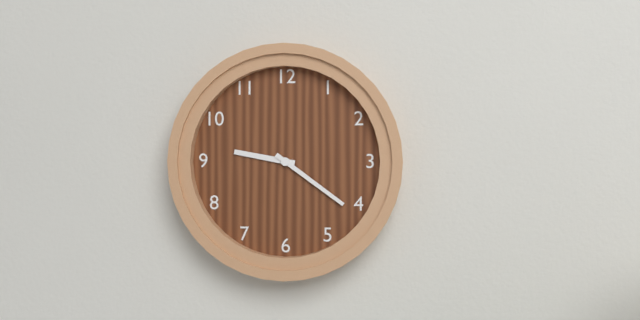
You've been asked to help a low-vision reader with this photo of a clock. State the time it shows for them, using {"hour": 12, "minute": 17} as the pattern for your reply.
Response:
{"hour": 9, "minute": 21}
